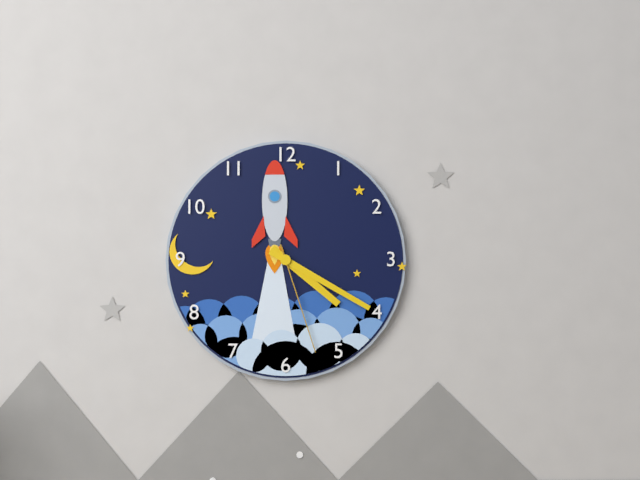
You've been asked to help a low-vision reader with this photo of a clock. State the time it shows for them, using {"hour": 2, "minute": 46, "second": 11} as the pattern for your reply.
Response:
{"hour": 4, "minute": 20, "second": 27}
